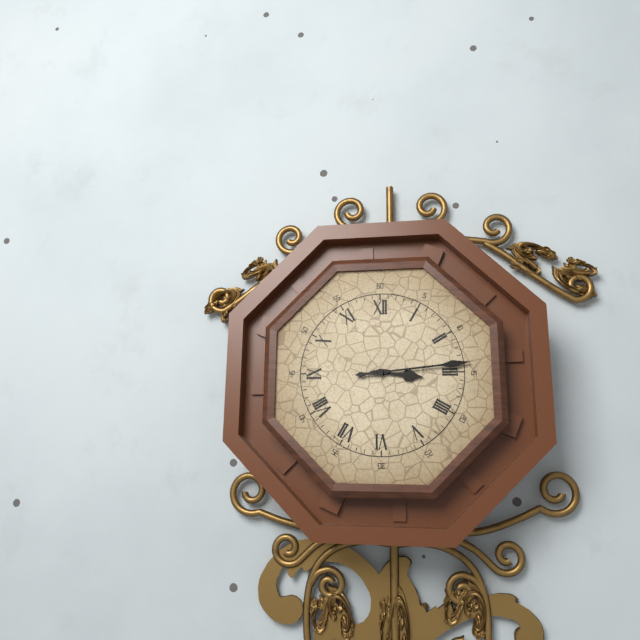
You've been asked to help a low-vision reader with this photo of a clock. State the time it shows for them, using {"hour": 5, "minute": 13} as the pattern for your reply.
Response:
{"hour": 3, "minute": 14}
